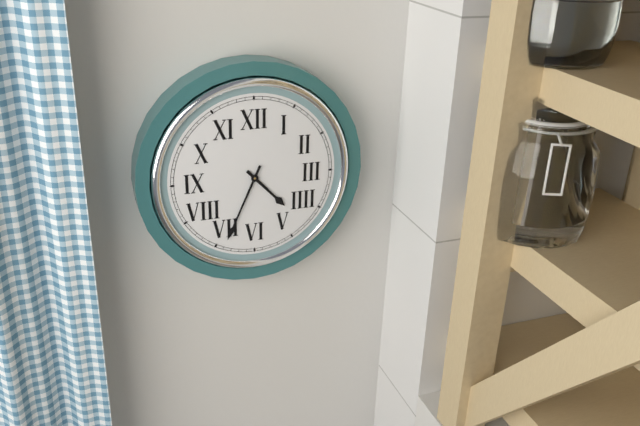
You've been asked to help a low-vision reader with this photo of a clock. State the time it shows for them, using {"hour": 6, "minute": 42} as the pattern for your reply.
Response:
{"hour": 4, "minute": 34}
